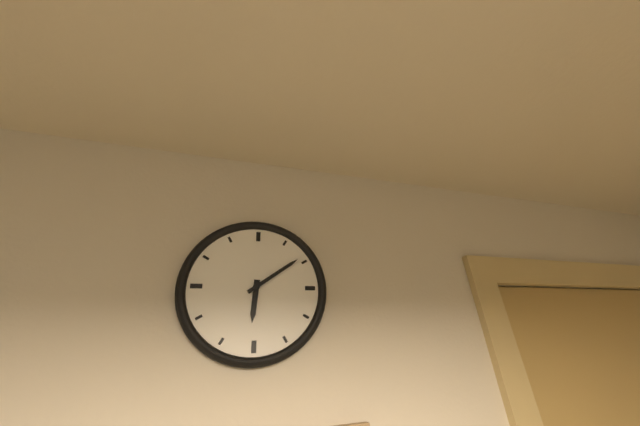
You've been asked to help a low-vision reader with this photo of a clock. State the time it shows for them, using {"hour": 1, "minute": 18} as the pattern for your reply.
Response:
{"hour": 6, "minute": 9}
